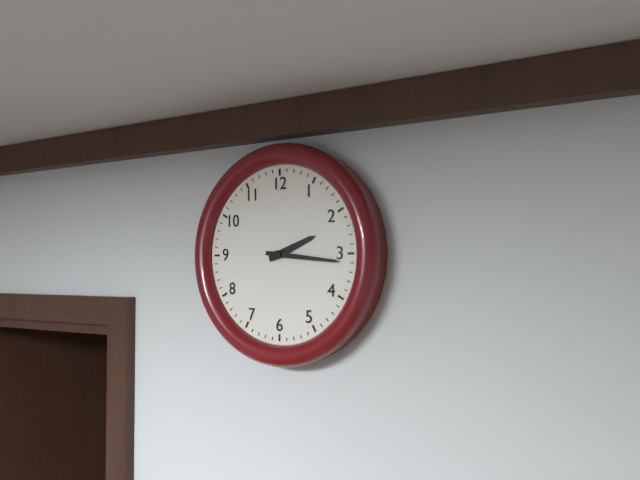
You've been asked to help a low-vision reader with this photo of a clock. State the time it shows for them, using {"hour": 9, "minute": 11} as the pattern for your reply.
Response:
{"hour": 2, "minute": 16}
